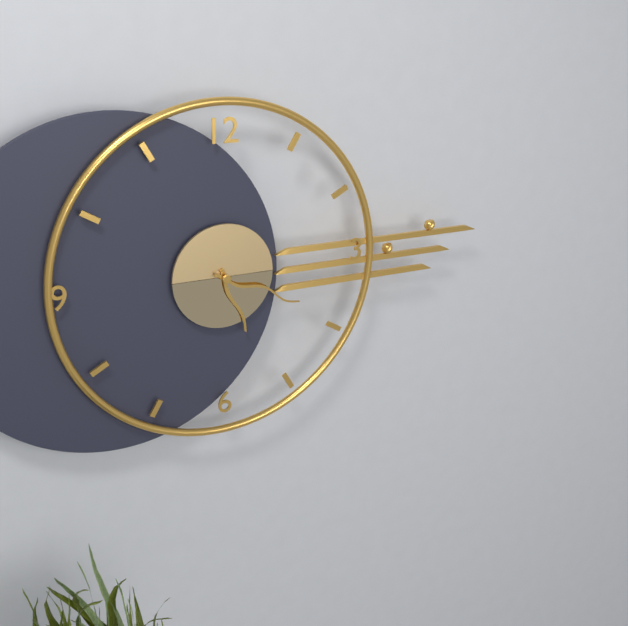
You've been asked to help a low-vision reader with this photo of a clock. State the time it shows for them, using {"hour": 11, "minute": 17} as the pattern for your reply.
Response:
{"hour": 5, "minute": 19}
